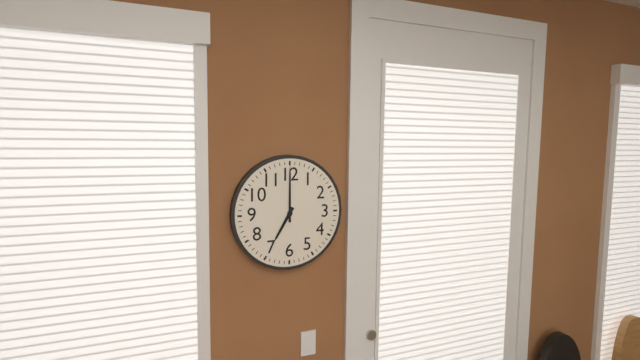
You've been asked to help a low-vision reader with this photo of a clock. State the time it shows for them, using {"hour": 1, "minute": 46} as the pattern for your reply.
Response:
{"hour": 7, "minute": 0}
